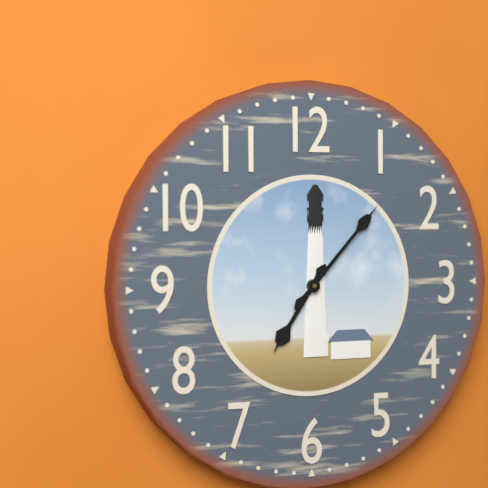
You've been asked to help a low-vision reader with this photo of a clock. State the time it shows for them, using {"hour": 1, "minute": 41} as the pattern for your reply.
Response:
{"hour": 7, "minute": 7}
